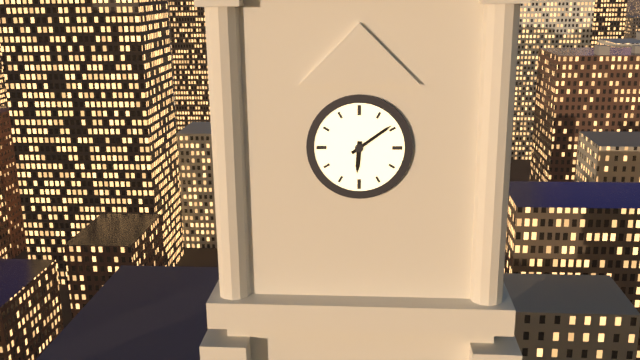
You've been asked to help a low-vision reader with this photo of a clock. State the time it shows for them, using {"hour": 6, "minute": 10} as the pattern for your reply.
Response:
{"hour": 6, "minute": 9}
